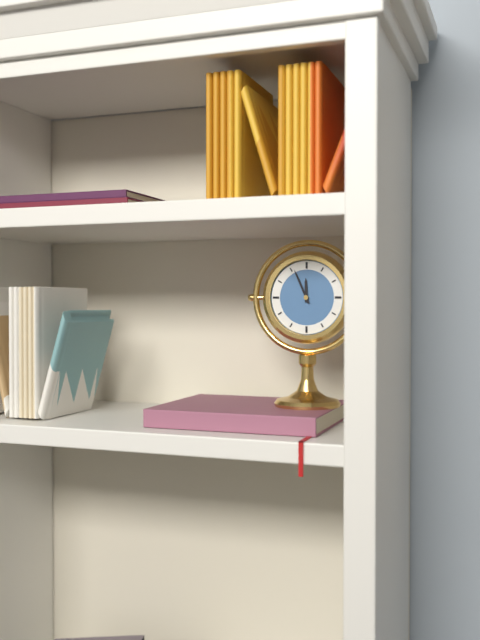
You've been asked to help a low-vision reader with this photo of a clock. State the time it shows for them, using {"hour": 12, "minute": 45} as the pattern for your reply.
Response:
{"hour": 11, "minute": 56}
